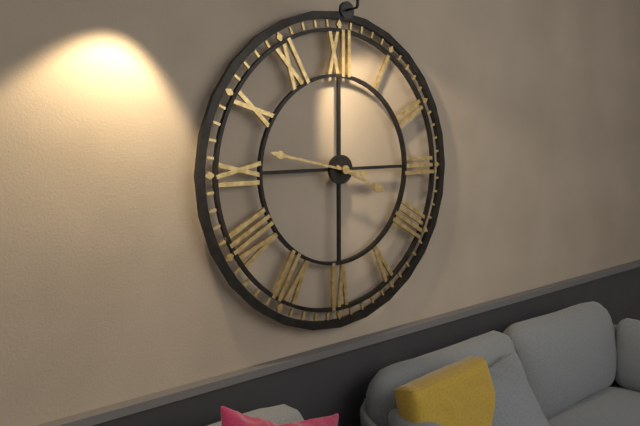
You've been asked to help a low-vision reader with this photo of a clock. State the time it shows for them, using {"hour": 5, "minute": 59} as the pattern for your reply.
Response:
{"hour": 3, "minute": 47}
